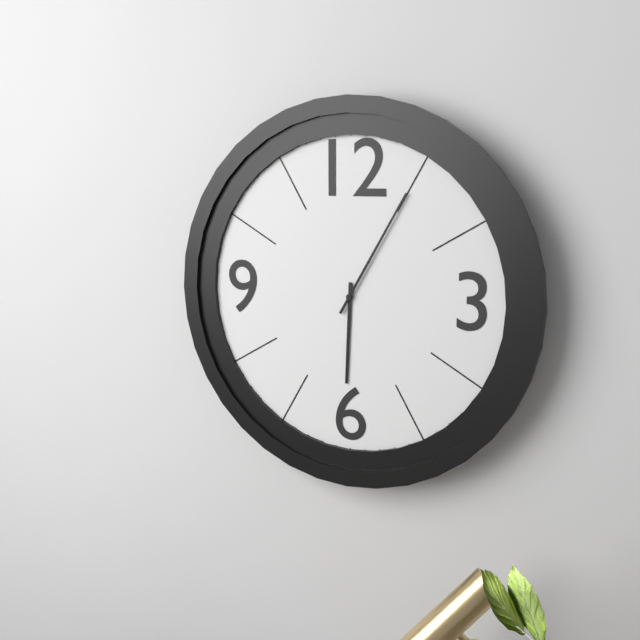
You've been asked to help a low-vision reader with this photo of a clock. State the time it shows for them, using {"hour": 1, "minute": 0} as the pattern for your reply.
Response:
{"hour": 6, "minute": 5}
